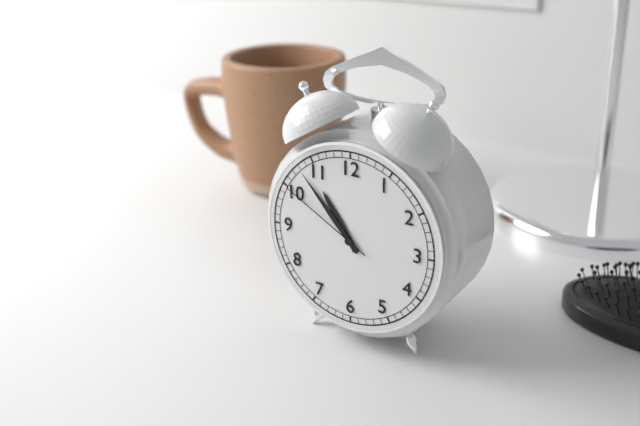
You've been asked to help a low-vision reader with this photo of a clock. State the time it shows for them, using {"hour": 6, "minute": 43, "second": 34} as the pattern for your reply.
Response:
{"hour": 10, "minute": 53, "second": 50}
